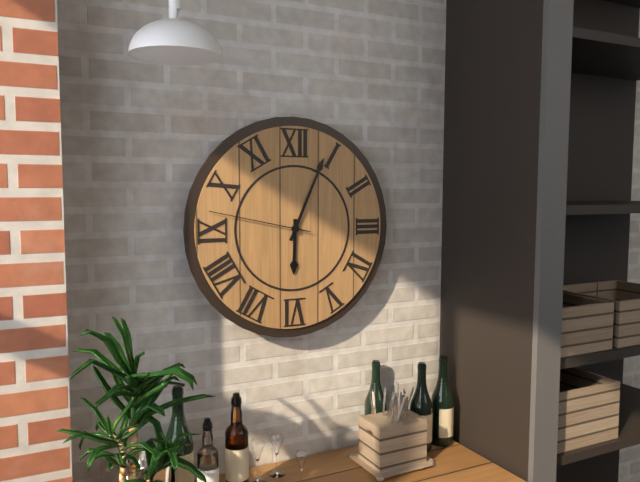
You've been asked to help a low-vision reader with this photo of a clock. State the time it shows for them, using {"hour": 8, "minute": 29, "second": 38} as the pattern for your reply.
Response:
{"hour": 6, "minute": 4, "second": 47}
